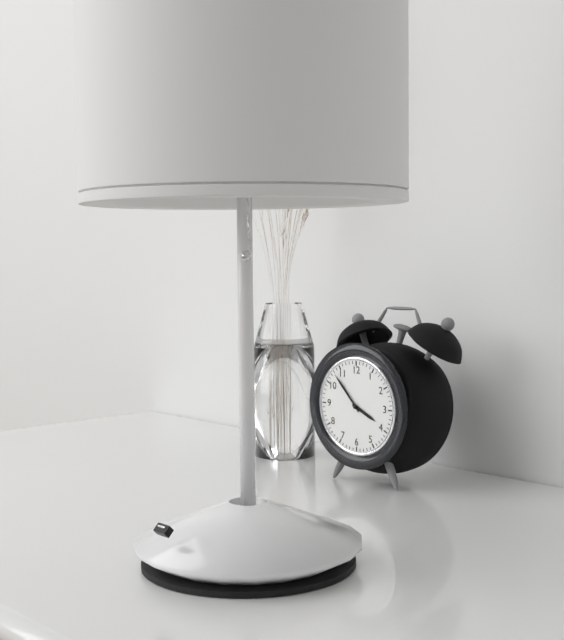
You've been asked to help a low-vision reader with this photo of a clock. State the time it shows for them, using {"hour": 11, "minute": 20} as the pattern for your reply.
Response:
{"hour": 3, "minute": 53}
